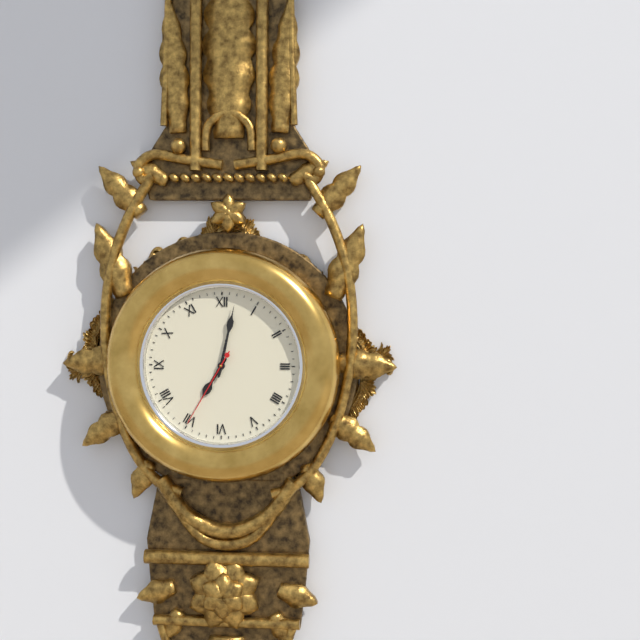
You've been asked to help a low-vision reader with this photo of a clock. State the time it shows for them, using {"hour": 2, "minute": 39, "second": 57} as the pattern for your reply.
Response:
{"hour": 7, "minute": 2, "second": 35}
